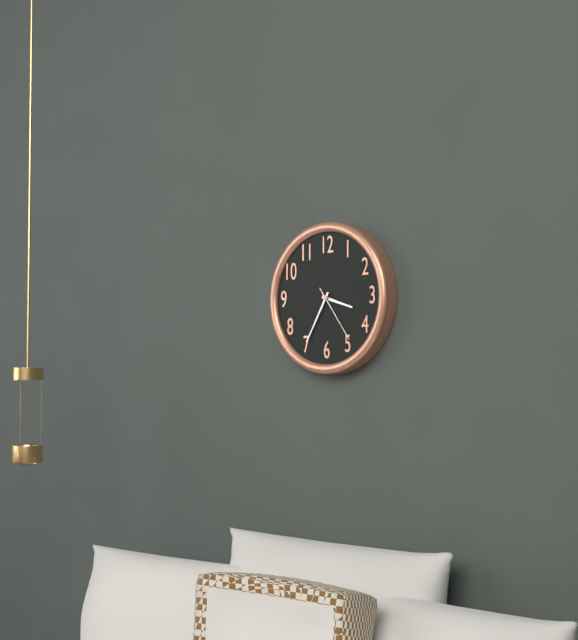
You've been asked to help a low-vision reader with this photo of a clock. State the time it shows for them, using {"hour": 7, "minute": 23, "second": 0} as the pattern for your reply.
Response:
{"hour": 3, "minute": 35, "second": 24}
